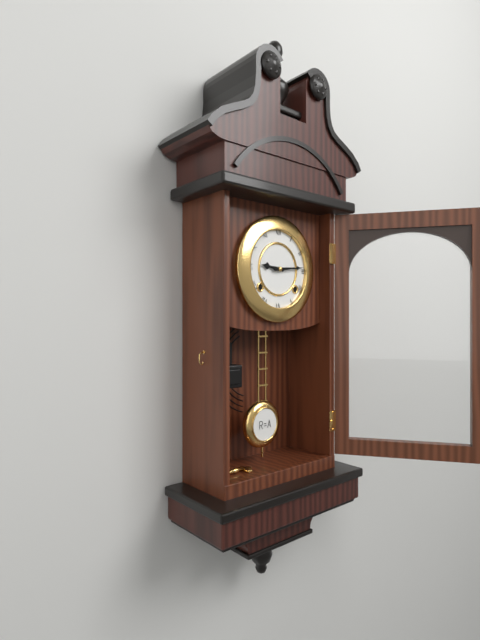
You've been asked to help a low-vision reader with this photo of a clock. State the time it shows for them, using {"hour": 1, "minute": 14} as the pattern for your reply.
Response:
{"hour": 9, "minute": 14}
